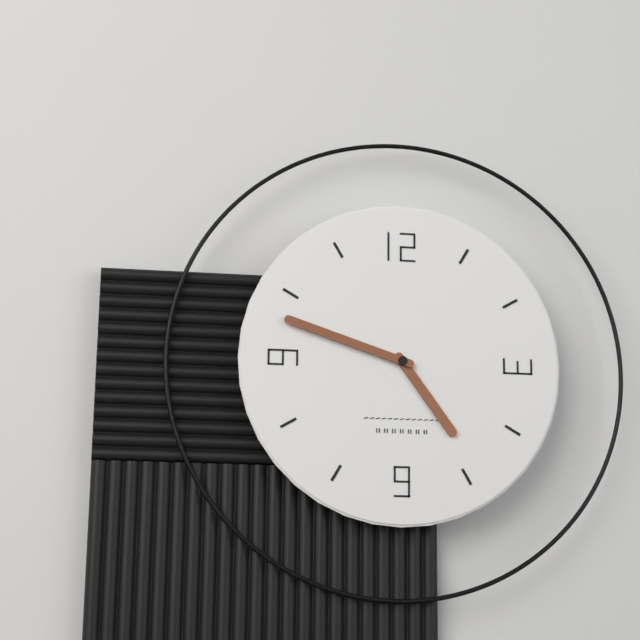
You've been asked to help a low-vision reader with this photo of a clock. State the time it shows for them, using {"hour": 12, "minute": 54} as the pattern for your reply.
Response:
{"hour": 4, "minute": 48}
